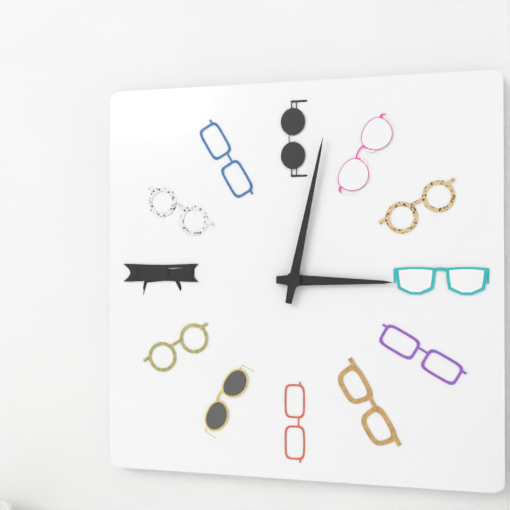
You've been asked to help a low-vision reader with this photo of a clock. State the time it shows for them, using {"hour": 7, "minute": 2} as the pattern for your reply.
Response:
{"hour": 3, "minute": 2}
